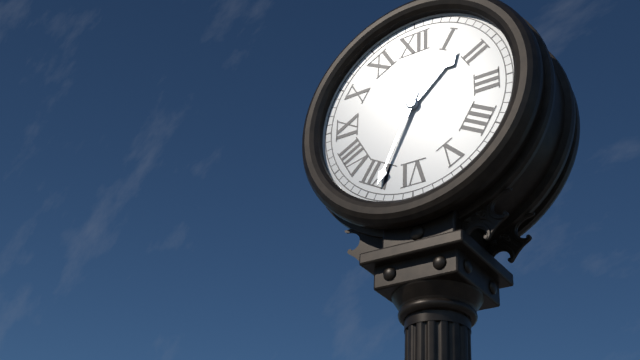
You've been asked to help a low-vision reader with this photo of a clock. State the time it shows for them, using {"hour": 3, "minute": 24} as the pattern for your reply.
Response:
{"hour": 1, "minute": 34}
